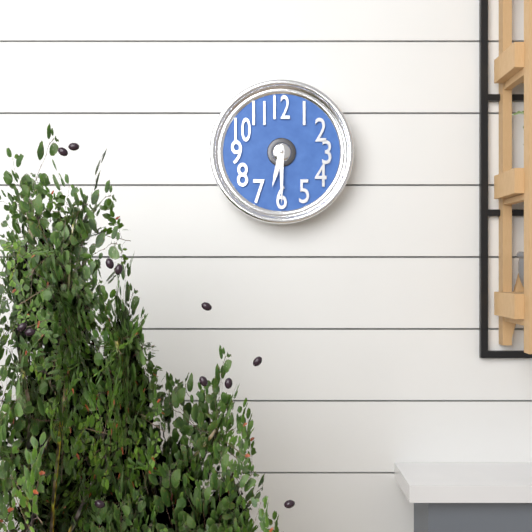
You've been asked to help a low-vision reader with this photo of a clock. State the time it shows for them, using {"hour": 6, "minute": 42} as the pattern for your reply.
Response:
{"hour": 6, "minute": 30}
